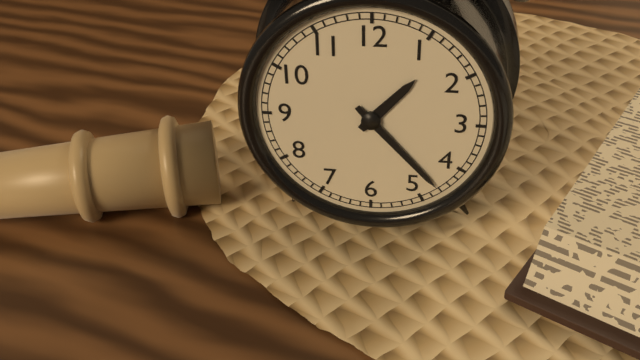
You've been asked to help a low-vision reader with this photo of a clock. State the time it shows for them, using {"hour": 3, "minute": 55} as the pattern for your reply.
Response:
{"hour": 1, "minute": 23}
